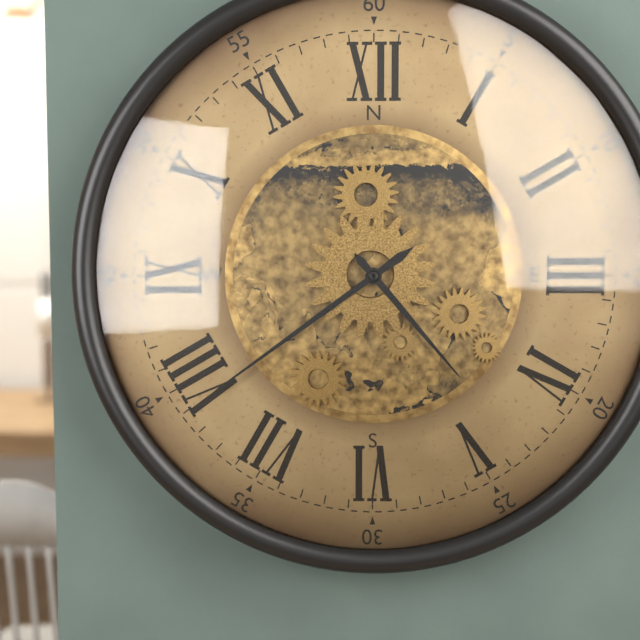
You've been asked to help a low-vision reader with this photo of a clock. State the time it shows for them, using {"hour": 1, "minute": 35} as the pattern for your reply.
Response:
{"hour": 4, "minute": 39}
